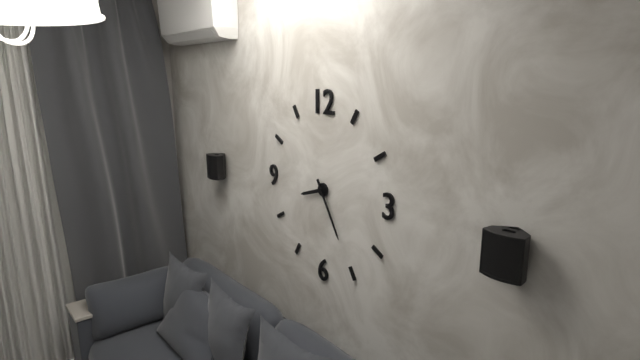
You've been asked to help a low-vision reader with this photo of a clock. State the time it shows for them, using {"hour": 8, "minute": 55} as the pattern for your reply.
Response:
{"hour": 8, "minute": 25}
